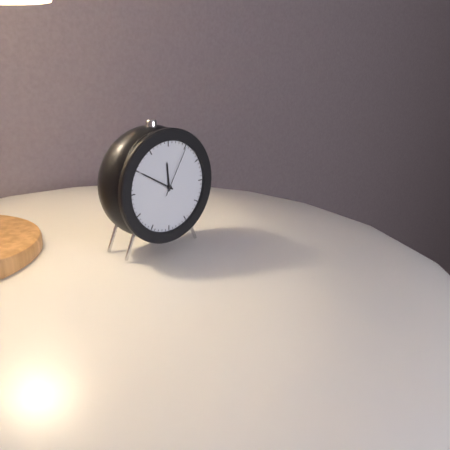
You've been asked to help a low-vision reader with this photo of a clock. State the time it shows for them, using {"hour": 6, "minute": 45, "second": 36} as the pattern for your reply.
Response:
{"hour": 11, "minute": 50, "second": 5}
